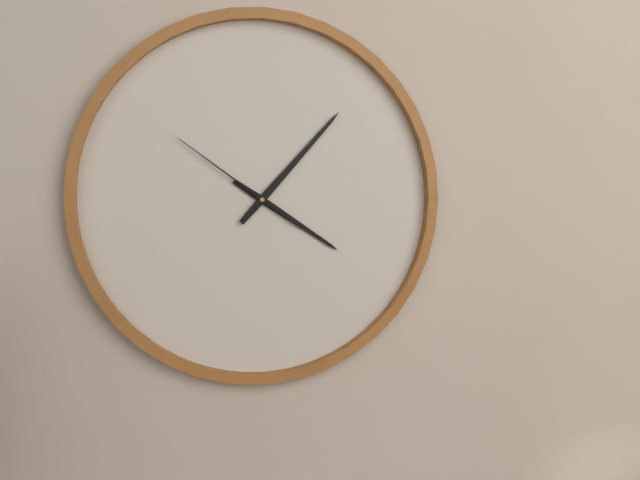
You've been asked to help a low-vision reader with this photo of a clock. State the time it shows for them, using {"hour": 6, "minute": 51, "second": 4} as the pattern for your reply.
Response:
{"hour": 4, "minute": 7, "second": 51}
